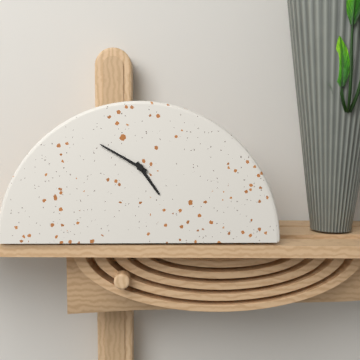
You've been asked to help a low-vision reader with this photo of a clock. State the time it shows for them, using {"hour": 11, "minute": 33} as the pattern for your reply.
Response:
{"hour": 4, "minute": 50}
